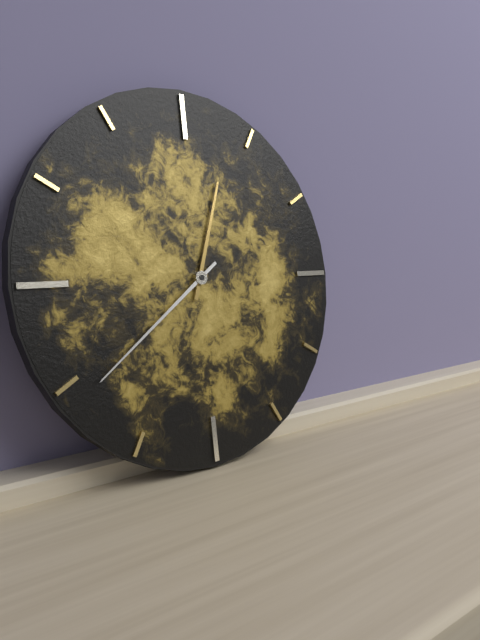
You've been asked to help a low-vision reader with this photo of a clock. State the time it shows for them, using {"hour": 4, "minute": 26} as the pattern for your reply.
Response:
{"hour": 12, "minute": 39}
